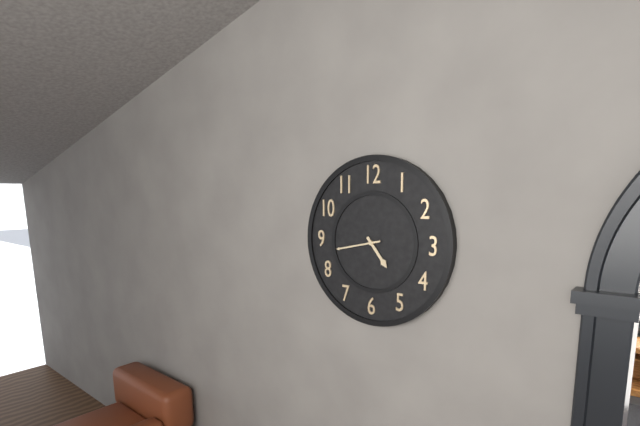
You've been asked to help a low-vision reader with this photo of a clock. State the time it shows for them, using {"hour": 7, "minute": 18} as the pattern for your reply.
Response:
{"hour": 4, "minute": 43}
